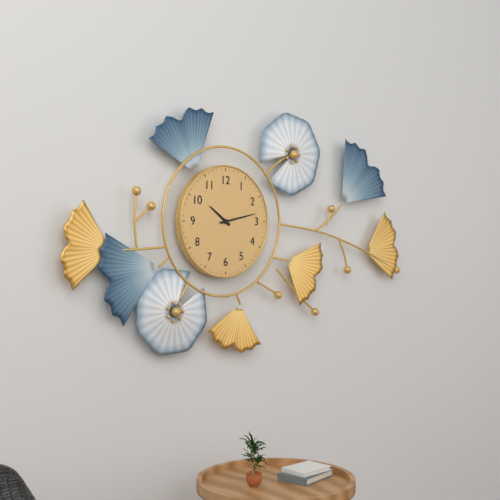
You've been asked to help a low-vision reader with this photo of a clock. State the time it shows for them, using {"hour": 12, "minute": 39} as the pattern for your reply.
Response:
{"hour": 10, "minute": 13}
